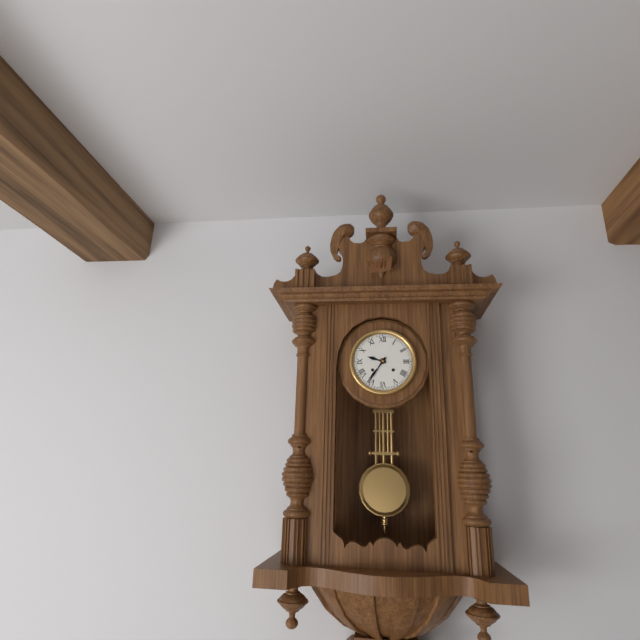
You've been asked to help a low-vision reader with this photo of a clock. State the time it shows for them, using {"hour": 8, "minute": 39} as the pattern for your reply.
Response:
{"hour": 9, "minute": 36}
